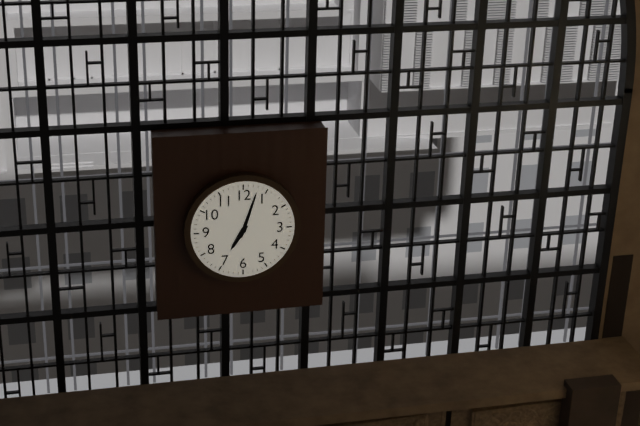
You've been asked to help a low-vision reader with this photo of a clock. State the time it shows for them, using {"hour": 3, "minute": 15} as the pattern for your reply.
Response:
{"hour": 7, "minute": 3}
